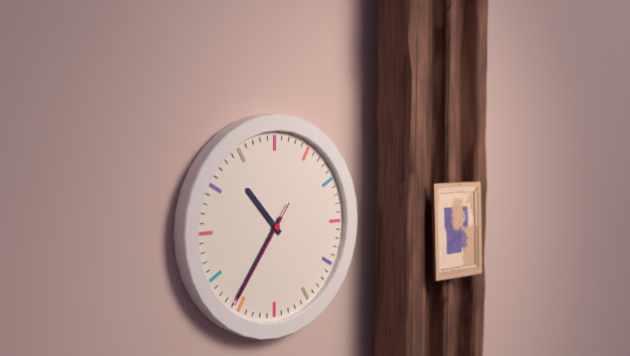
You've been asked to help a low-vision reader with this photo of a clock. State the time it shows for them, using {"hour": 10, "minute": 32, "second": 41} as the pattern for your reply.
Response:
{"hour": 10, "minute": 36, "second": 36}
